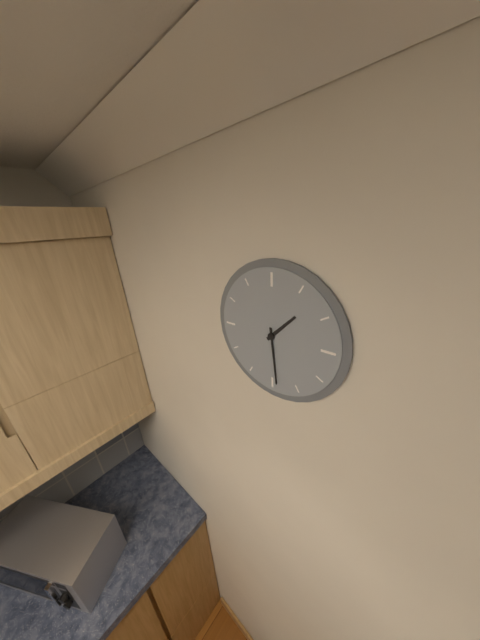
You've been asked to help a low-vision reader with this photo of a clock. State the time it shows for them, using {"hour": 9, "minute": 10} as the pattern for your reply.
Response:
{"hour": 1, "minute": 29}
